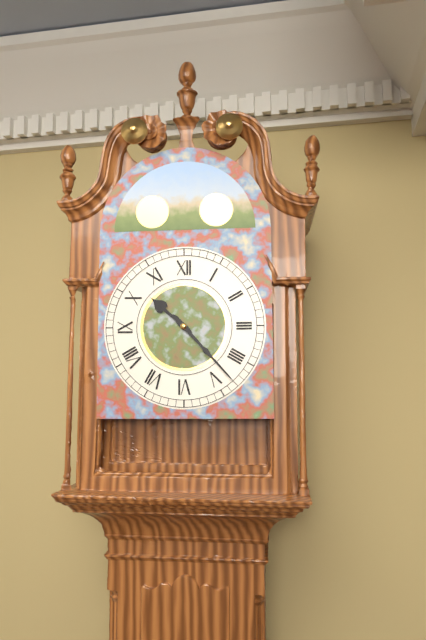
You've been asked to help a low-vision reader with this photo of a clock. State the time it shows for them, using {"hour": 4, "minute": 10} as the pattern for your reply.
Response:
{"hour": 10, "minute": 23}
